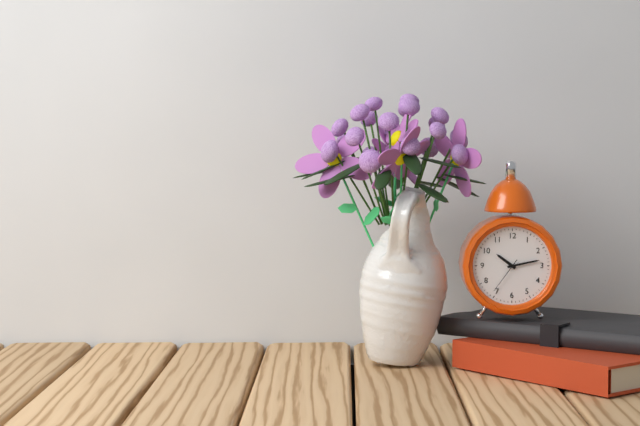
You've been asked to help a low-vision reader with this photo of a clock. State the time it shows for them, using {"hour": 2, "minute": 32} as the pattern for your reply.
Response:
{"hour": 10, "minute": 13}
